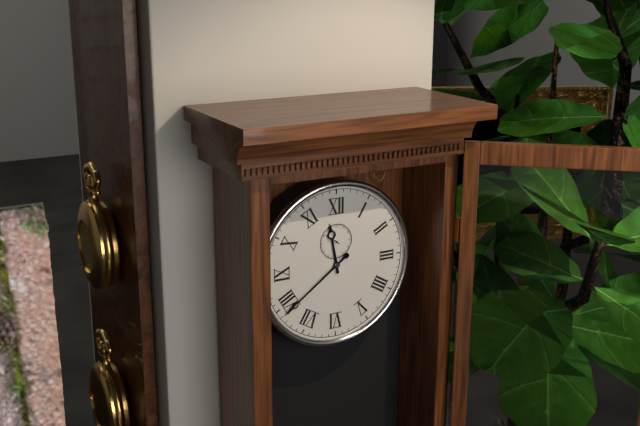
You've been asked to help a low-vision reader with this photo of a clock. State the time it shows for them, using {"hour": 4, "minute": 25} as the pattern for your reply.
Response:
{"hour": 11, "minute": 39}
